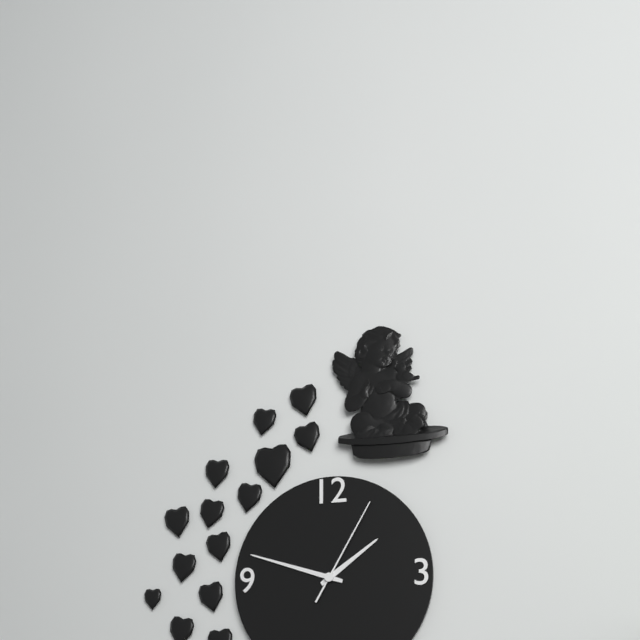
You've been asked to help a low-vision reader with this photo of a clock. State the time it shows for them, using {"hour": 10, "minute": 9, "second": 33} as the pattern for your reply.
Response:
{"hour": 1, "minute": 48, "second": 5}
